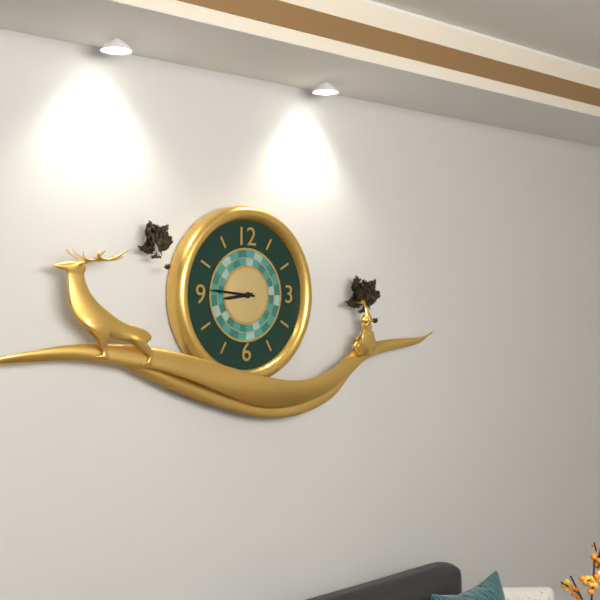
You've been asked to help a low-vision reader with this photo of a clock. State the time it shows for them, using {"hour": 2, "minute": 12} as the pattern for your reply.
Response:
{"hour": 8, "minute": 46}
